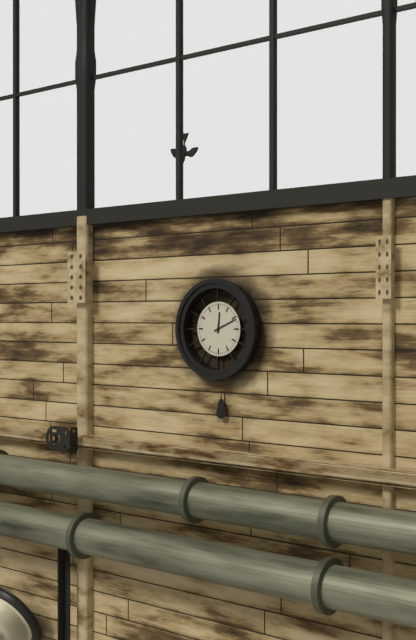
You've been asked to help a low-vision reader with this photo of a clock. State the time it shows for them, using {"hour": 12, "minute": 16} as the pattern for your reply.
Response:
{"hour": 12, "minute": 11}
